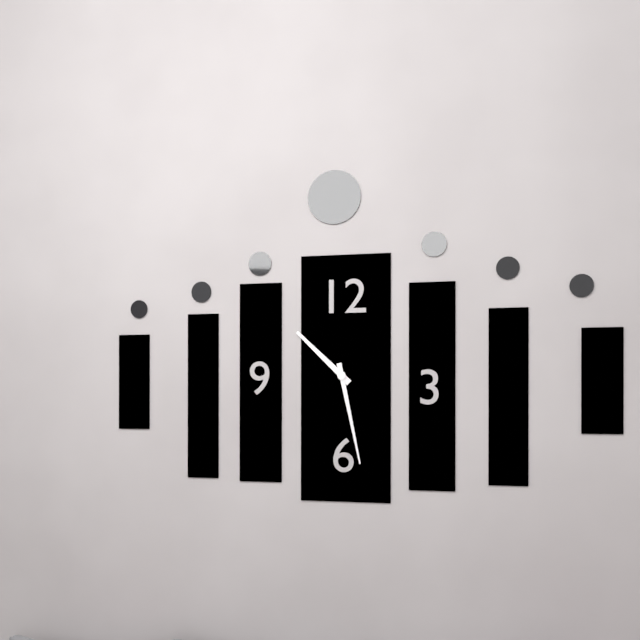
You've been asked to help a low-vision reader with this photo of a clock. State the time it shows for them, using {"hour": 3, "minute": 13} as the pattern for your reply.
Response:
{"hour": 10, "minute": 28}
